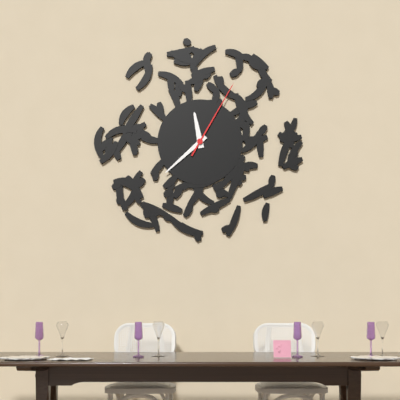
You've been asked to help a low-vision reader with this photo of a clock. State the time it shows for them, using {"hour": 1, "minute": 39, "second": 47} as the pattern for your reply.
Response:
{"hour": 11, "minute": 38, "second": 5}
